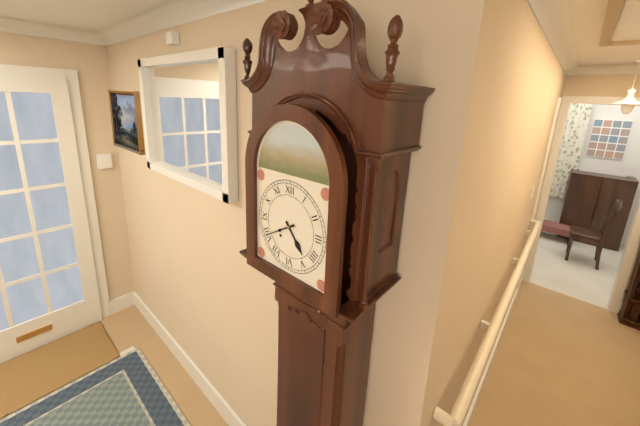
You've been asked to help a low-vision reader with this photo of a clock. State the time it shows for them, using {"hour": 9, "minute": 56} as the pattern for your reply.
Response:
{"hour": 4, "minute": 40}
